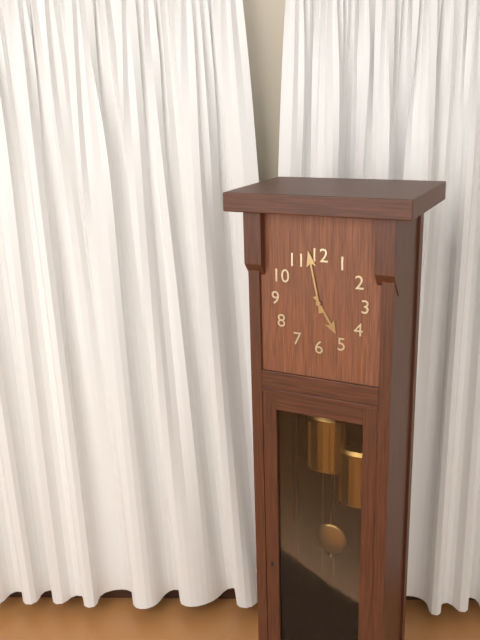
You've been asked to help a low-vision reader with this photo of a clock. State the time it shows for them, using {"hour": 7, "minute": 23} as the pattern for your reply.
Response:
{"hour": 4, "minute": 58}
